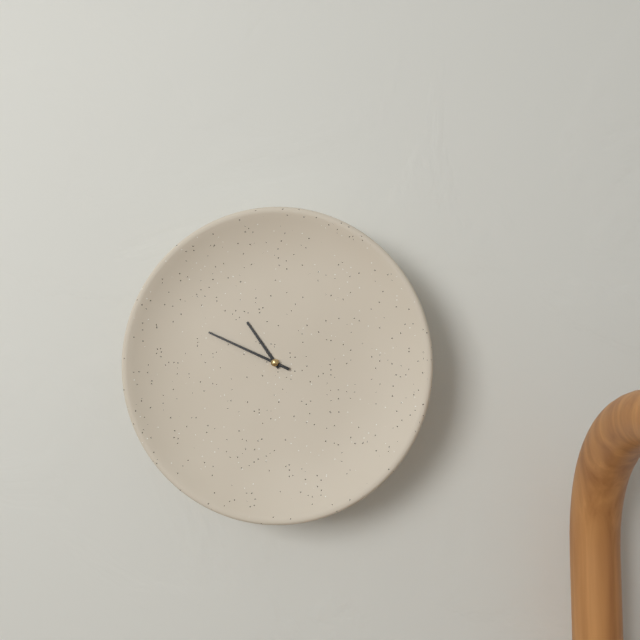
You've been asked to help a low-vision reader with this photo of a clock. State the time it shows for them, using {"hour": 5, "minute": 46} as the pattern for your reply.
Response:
{"hour": 10, "minute": 49}
